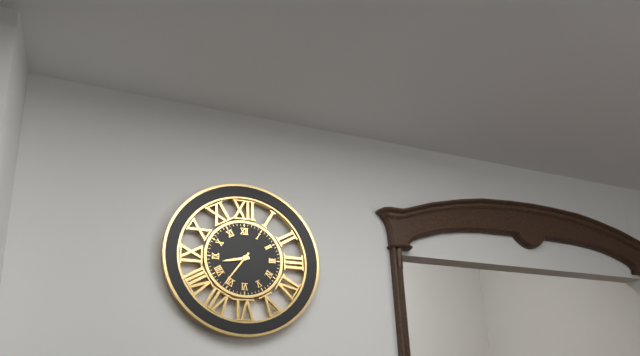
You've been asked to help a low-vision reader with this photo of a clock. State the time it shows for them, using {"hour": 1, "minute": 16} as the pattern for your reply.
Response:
{"hour": 8, "minute": 36}
